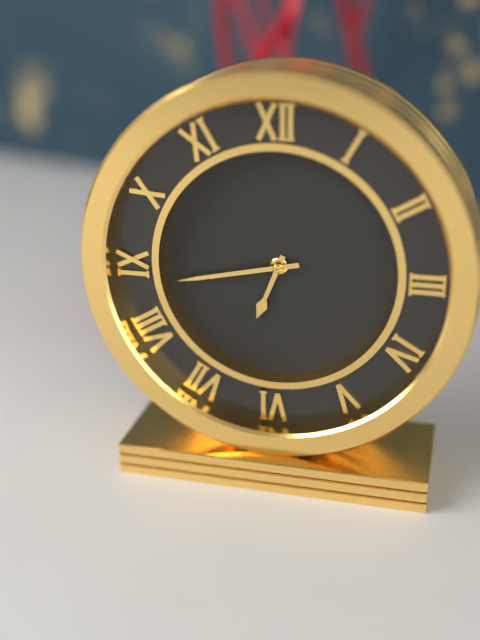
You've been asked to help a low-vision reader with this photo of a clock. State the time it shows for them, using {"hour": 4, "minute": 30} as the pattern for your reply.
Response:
{"hour": 6, "minute": 43}
